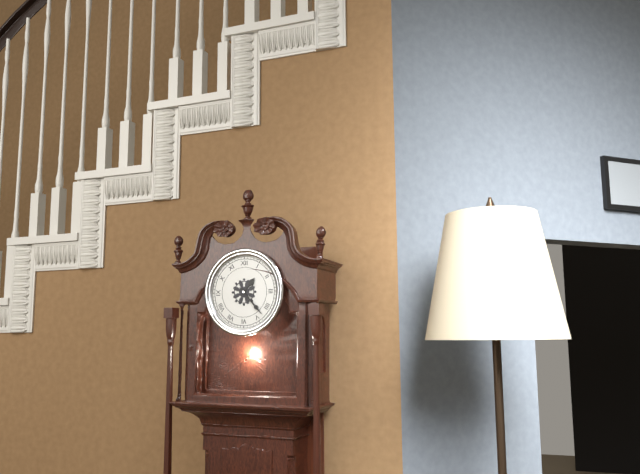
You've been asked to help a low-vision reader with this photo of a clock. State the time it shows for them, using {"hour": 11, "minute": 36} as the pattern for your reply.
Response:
{"hour": 1, "minute": 23}
